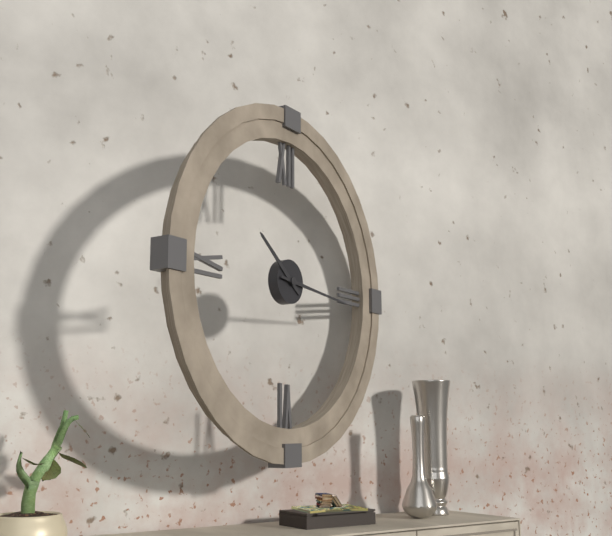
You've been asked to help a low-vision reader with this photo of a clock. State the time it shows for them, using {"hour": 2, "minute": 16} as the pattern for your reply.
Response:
{"hour": 10, "minute": 16}
